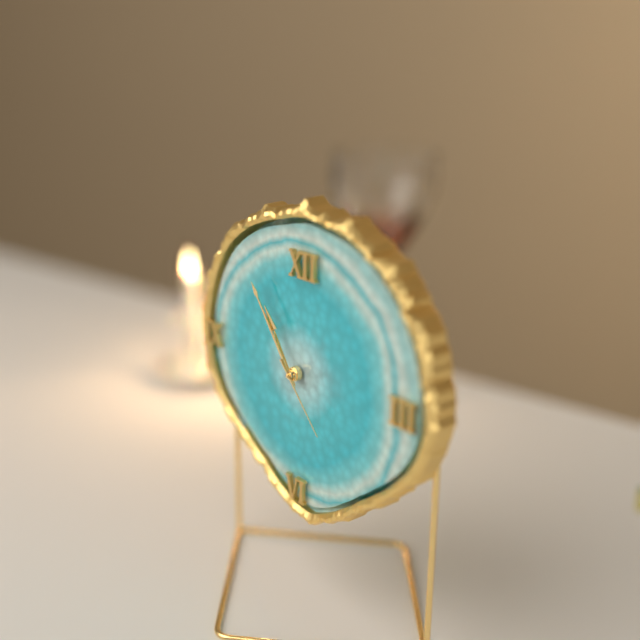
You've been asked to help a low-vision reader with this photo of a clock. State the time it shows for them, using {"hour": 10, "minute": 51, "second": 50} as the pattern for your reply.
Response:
{"hour": 10, "minute": 54, "second": 23}
